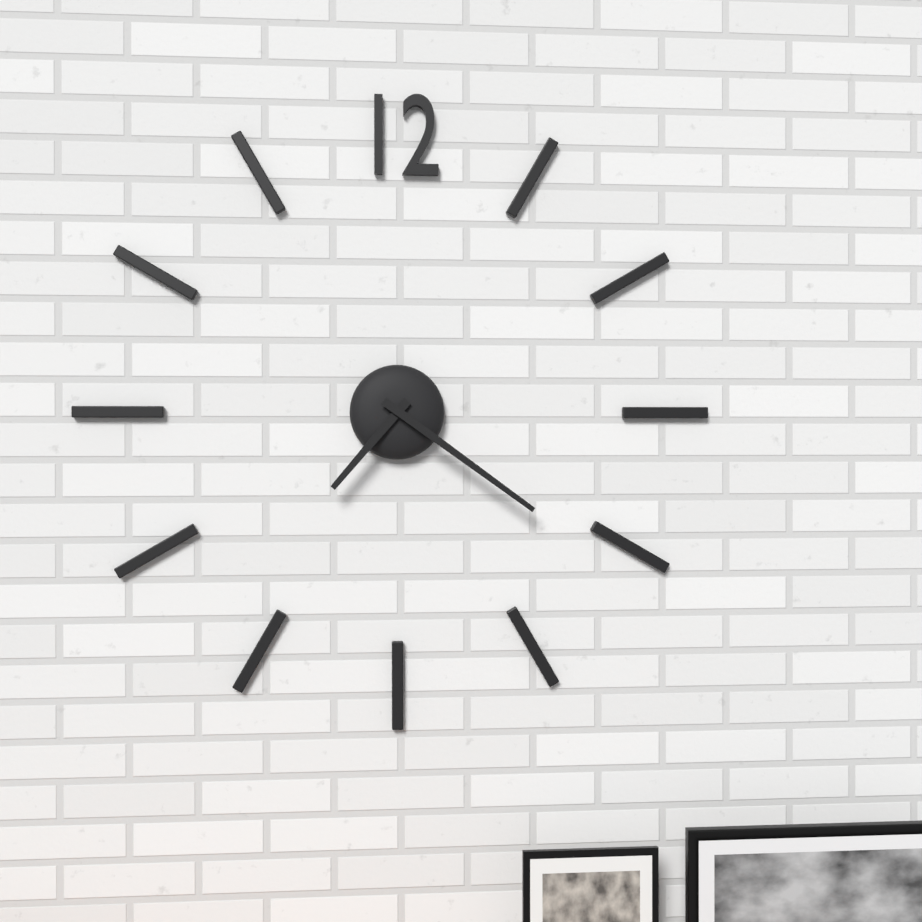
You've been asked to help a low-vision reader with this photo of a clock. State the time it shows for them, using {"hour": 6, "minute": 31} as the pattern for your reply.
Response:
{"hour": 7, "minute": 21}
